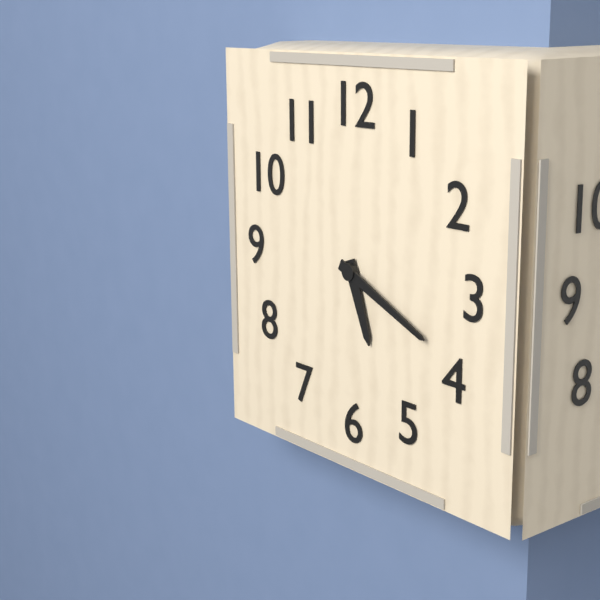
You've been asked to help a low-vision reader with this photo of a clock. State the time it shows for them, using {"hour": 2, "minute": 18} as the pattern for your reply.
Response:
{"hour": 5, "minute": 19}
